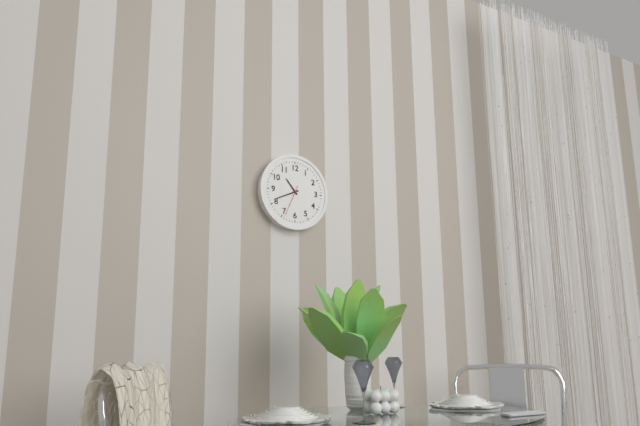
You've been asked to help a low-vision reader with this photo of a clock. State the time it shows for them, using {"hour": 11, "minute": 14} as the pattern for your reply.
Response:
{"hour": 10, "minute": 41}
